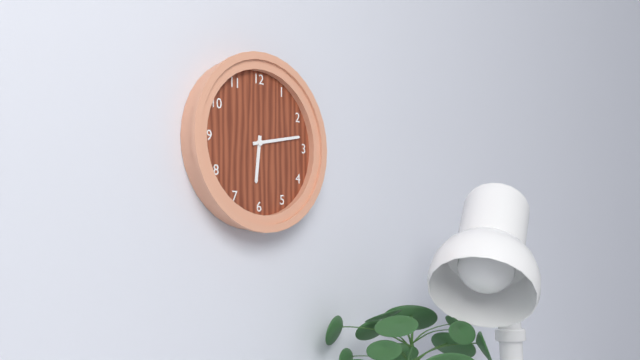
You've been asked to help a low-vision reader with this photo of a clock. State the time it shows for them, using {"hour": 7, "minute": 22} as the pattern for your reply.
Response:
{"hour": 6, "minute": 13}
